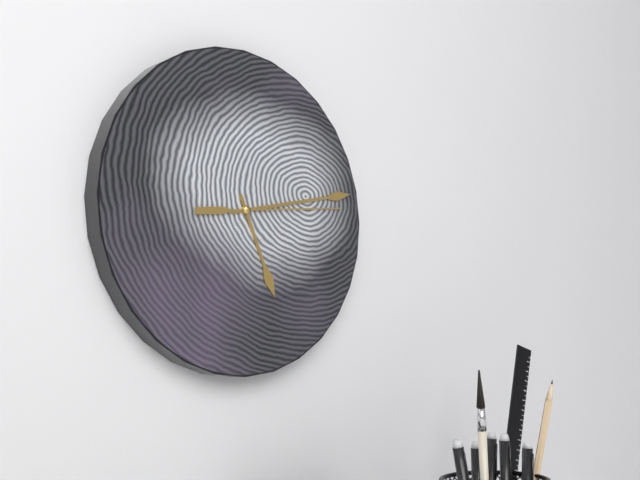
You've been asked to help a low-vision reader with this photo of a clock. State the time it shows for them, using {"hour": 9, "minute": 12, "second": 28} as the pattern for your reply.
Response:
{"hour": 5, "minute": 13, "second": 14}
